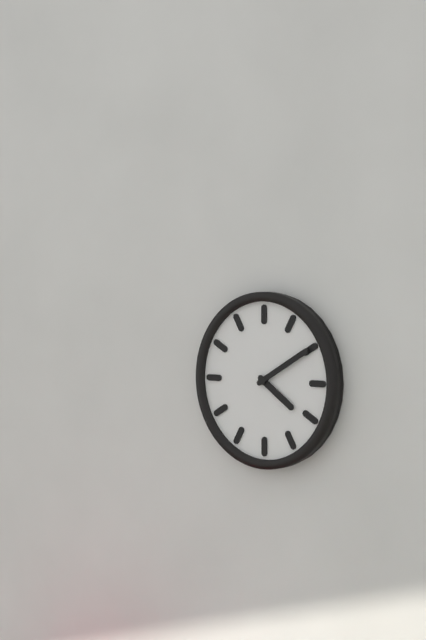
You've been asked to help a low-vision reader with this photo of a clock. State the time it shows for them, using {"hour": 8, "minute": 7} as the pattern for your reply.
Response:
{"hour": 4, "minute": 10}
